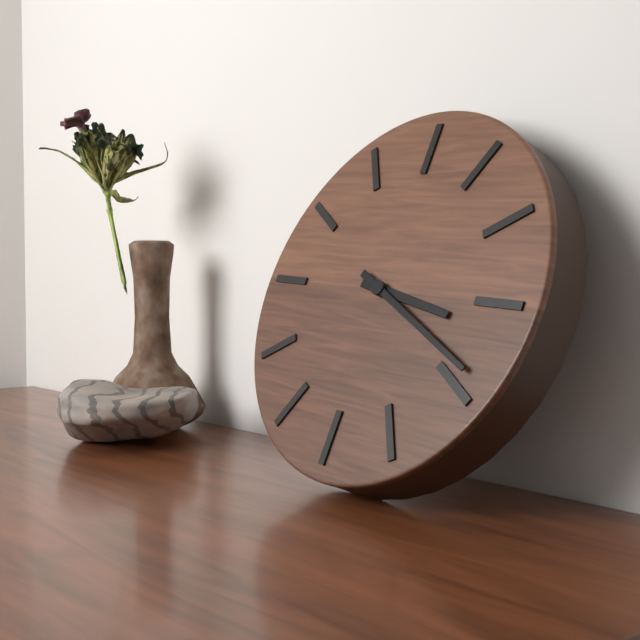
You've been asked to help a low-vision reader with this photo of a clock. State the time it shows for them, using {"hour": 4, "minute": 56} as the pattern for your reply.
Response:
{"hour": 3, "minute": 19}
